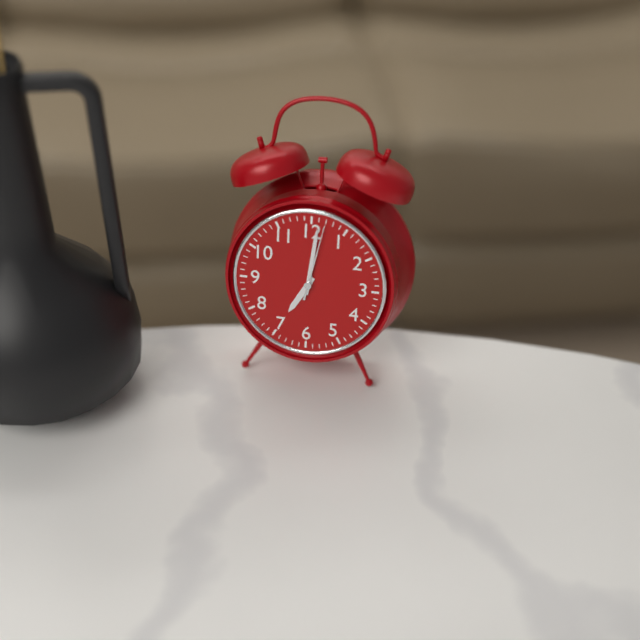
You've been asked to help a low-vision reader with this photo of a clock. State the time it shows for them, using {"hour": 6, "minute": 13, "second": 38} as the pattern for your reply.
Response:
{"hour": 7, "minute": 1, "second": 2}
